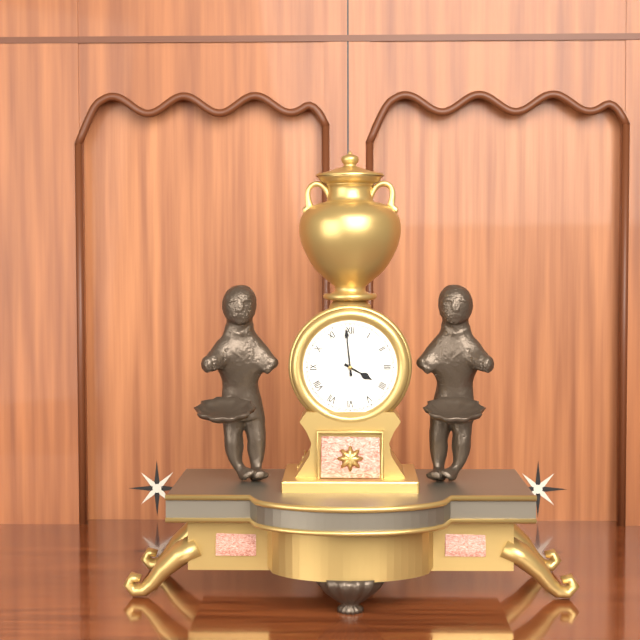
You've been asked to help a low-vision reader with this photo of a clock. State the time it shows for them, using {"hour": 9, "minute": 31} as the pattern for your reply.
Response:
{"hour": 3, "minute": 59}
